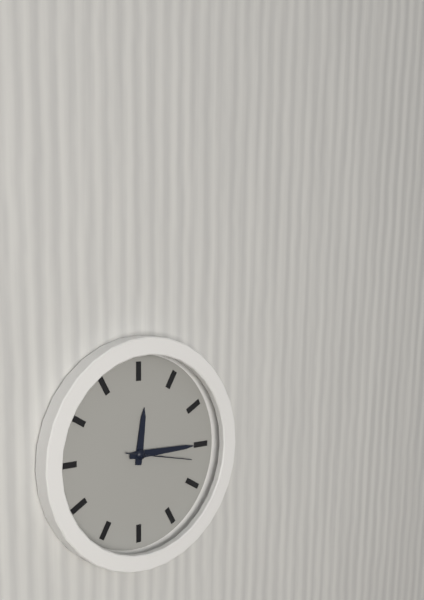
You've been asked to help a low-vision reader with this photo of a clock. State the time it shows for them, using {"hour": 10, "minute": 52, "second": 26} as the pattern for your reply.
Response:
{"hour": 12, "minute": 15, "second": 17}
